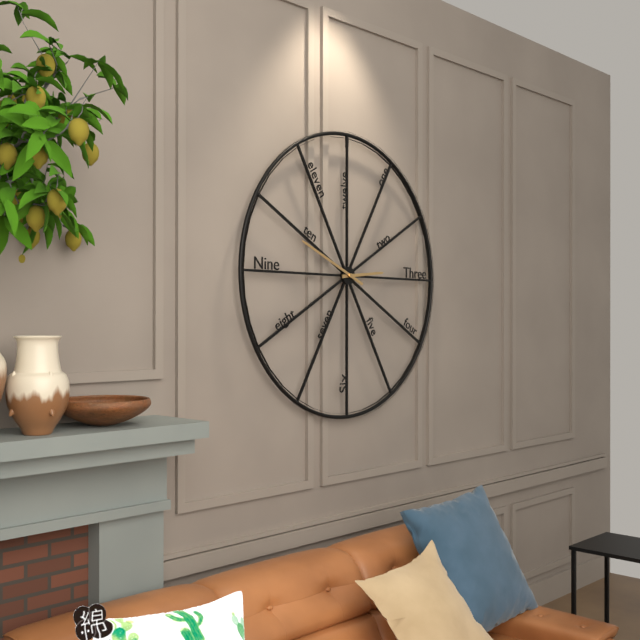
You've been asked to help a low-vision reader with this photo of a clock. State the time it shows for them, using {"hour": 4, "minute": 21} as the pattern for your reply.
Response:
{"hour": 2, "minute": 49}
